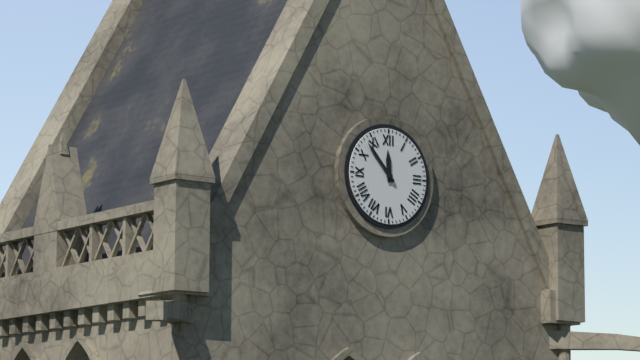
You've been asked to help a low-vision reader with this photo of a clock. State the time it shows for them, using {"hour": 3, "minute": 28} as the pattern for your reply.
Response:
{"hour": 11, "minute": 53}
